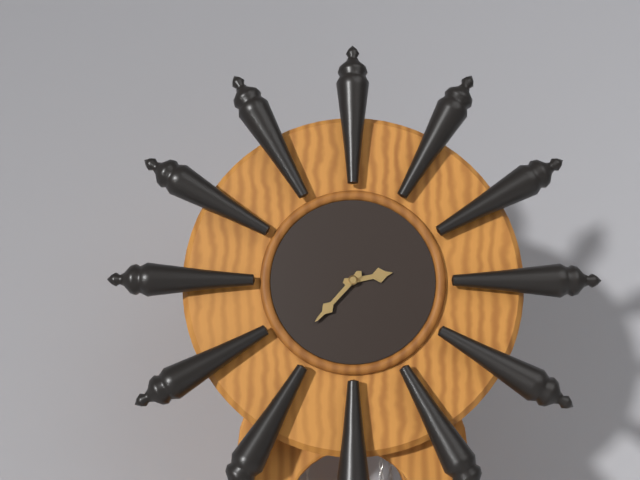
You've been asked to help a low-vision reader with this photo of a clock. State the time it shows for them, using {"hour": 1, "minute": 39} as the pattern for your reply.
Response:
{"hour": 2, "minute": 37}
